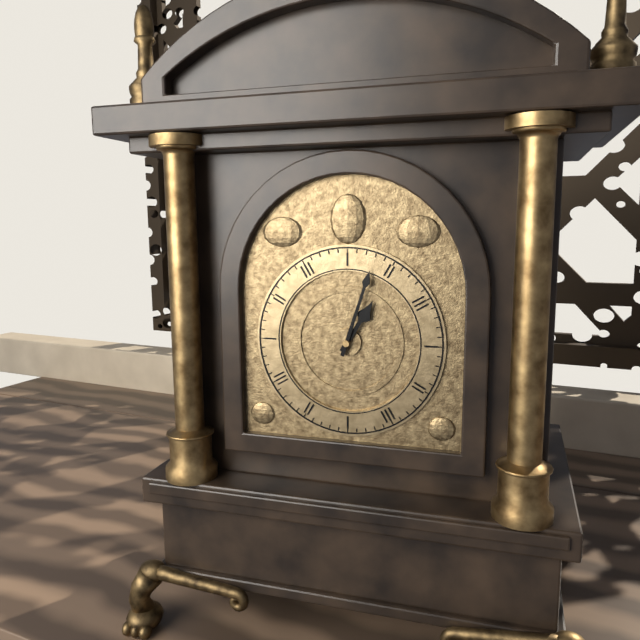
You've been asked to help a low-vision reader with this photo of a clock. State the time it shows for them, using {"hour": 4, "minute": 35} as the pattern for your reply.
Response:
{"hour": 1, "minute": 3}
